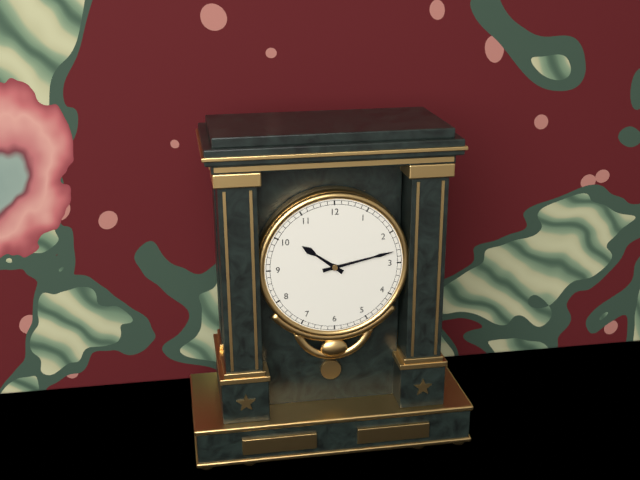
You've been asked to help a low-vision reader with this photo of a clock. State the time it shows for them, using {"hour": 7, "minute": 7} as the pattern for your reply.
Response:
{"hour": 10, "minute": 13}
